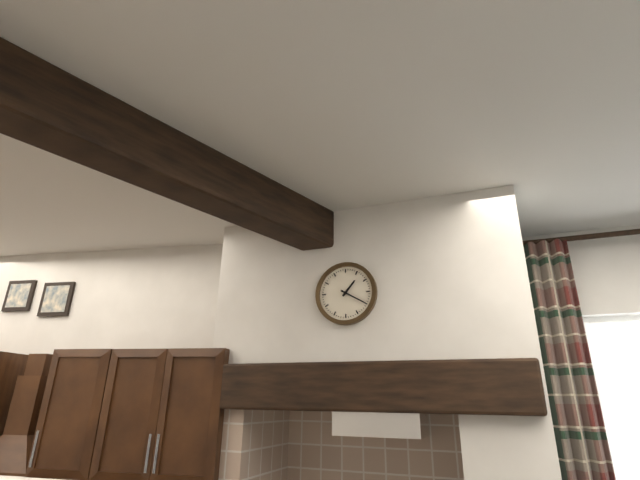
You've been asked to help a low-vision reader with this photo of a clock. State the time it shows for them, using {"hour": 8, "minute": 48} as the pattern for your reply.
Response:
{"hour": 1, "minute": 20}
